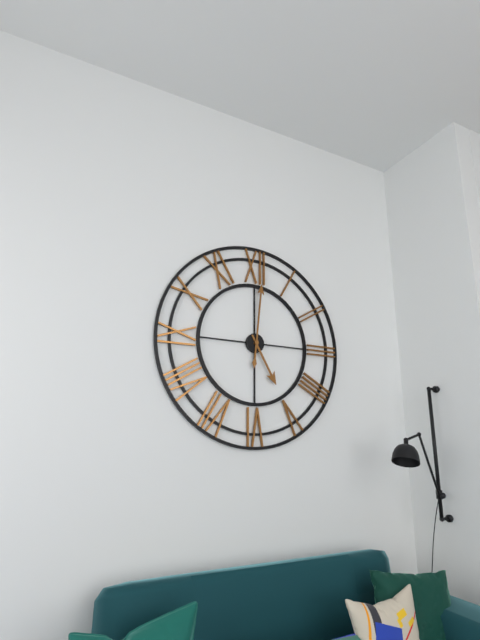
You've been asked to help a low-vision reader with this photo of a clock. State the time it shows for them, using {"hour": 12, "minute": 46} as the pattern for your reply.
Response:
{"hour": 5, "minute": 1}
